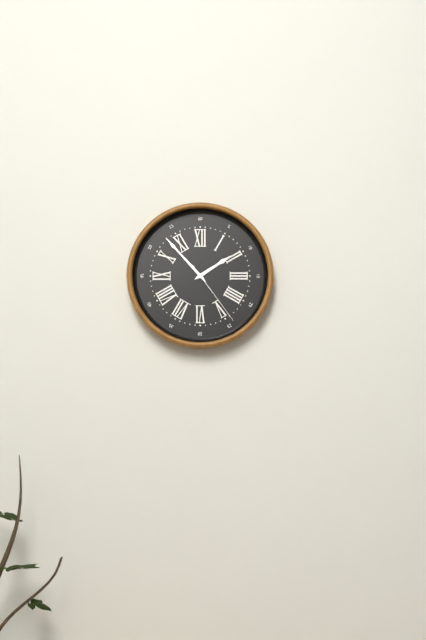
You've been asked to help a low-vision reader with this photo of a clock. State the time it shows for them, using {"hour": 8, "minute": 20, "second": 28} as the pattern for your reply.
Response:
{"hour": 1, "minute": 53, "second": 24}
